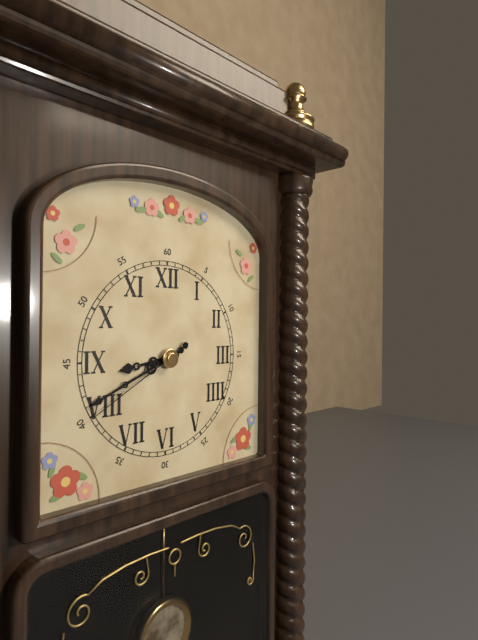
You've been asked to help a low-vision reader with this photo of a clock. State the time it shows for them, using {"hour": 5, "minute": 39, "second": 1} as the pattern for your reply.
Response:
{"hour": 8, "minute": 41, "second": 40}
